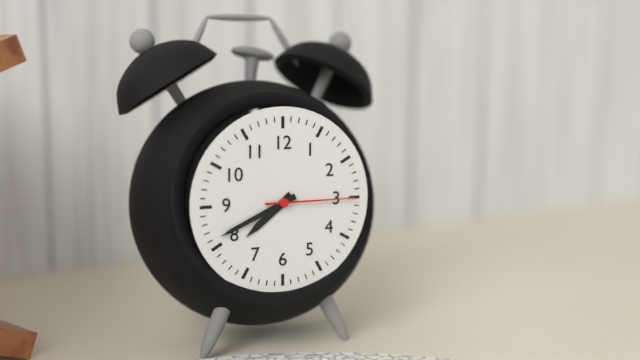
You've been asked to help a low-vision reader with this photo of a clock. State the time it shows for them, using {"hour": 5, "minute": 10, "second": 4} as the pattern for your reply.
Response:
{"hour": 7, "minute": 41, "second": 15}
